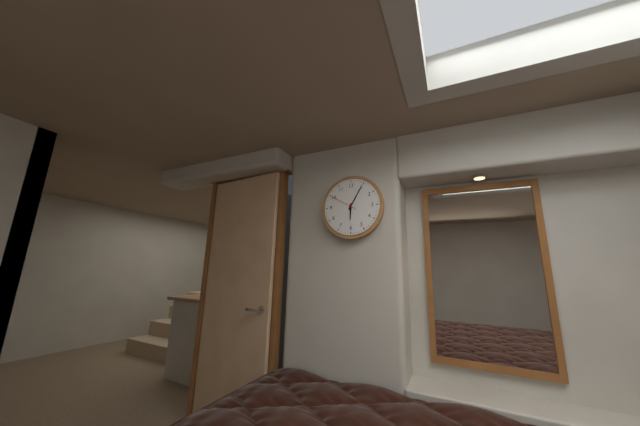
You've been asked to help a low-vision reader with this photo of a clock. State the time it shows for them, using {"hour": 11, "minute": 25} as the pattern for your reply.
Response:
{"hour": 6, "minute": 5}
